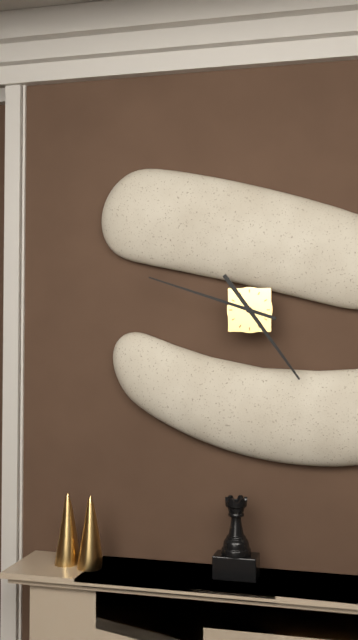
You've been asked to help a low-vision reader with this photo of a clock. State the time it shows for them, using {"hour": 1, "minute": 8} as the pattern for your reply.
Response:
{"hour": 4, "minute": 48}
